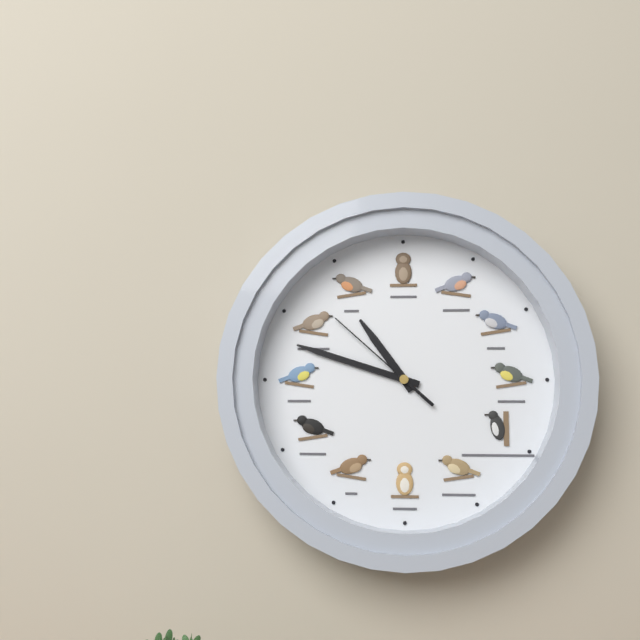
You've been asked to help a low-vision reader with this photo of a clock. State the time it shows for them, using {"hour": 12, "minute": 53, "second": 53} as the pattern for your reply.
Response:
{"hour": 10, "minute": 48, "second": 52}
